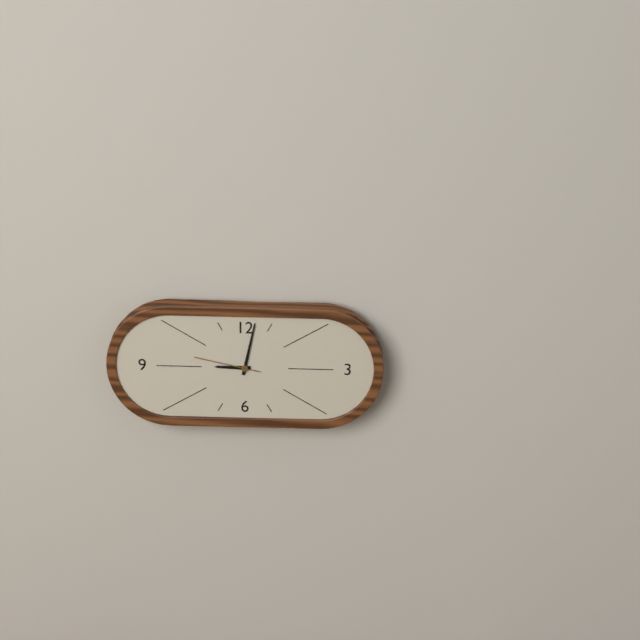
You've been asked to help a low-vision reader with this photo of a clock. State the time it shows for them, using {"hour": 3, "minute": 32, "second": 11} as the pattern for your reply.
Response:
{"hour": 9, "minute": 2, "second": 47}
